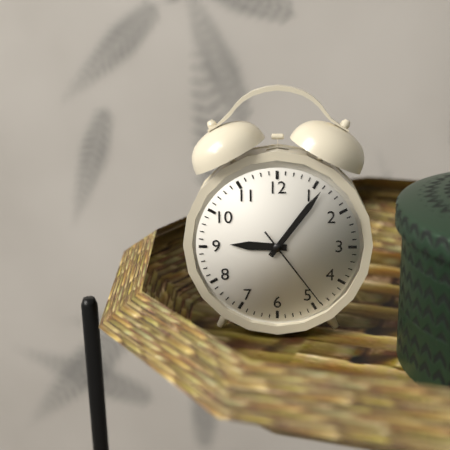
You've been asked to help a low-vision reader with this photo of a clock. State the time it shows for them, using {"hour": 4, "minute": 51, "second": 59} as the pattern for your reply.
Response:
{"hour": 9, "minute": 6, "second": 24}
